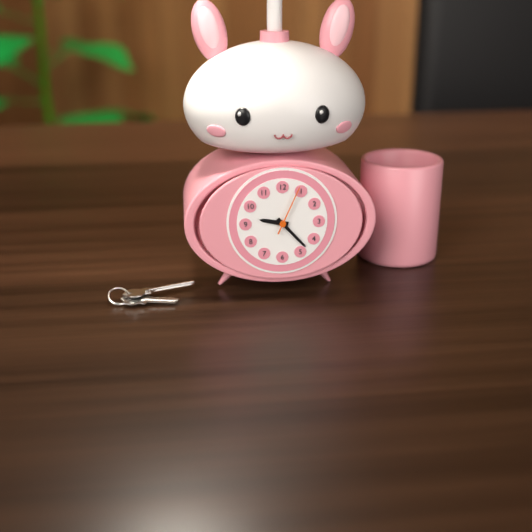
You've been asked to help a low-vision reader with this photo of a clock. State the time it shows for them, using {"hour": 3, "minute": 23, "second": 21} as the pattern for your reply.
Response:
{"hour": 9, "minute": 23, "second": 4}
